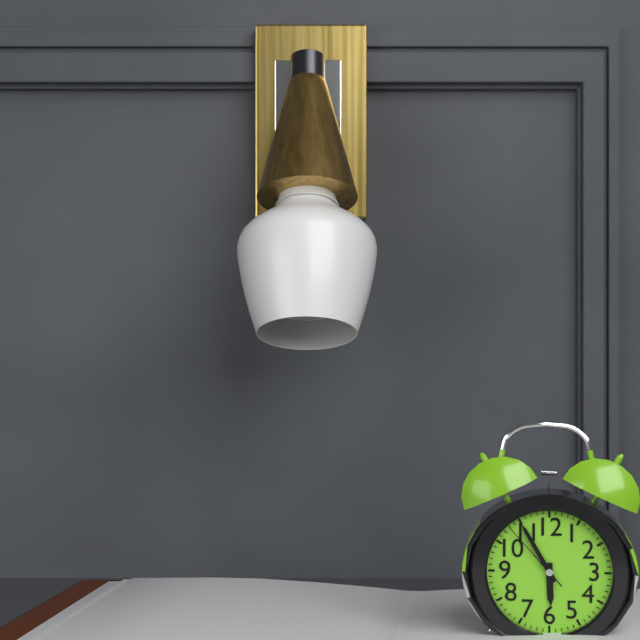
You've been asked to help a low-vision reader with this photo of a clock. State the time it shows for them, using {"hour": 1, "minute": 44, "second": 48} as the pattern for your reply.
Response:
{"hour": 5, "minute": 55, "second": 53}
